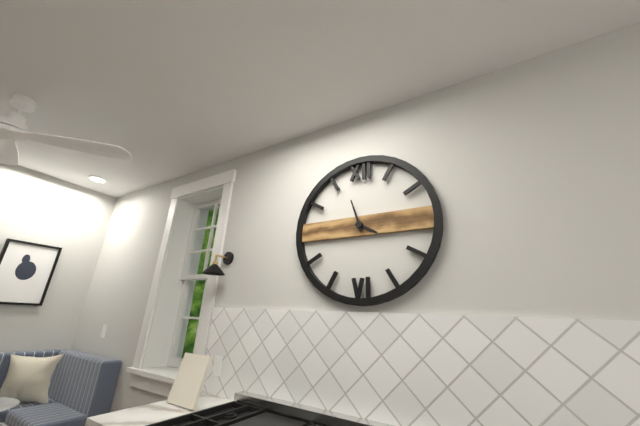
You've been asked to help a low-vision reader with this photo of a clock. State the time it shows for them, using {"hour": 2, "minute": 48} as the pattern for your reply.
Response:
{"hour": 3, "minute": 57}
